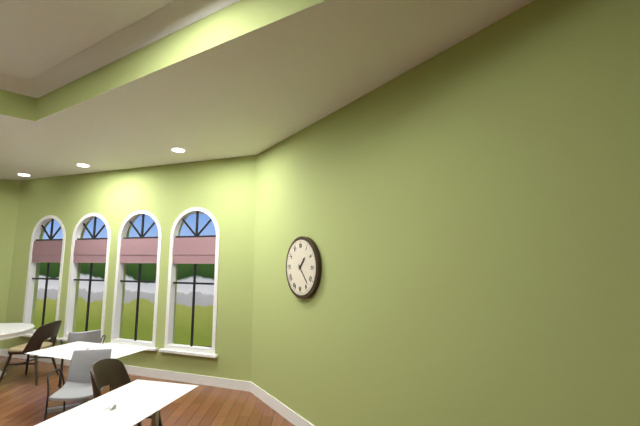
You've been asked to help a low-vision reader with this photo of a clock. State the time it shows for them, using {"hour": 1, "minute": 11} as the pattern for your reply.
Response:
{"hour": 1, "minute": 23}
